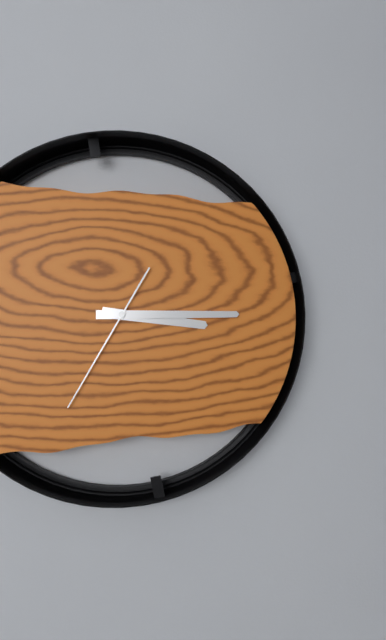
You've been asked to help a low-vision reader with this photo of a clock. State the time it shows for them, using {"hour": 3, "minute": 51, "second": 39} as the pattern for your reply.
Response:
{"hour": 3, "minute": 15, "second": 35}
